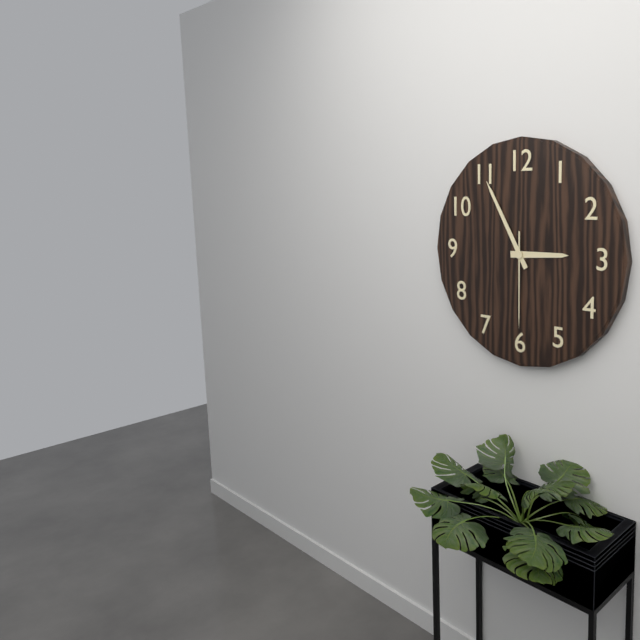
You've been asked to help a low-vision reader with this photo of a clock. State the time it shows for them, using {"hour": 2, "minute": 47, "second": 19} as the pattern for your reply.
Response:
{"hour": 2, "minute": 55, "second": 30}
